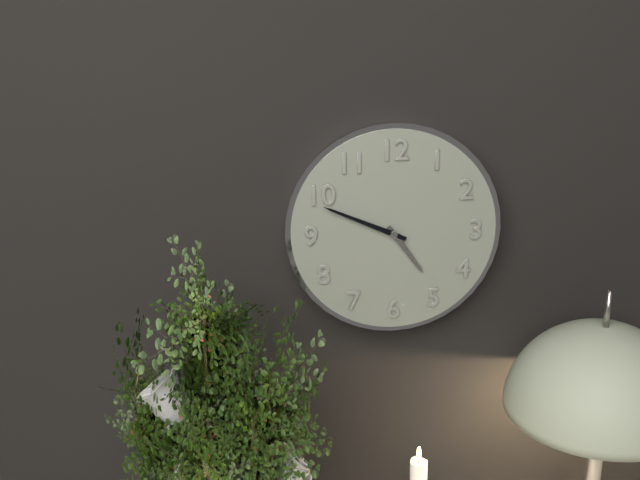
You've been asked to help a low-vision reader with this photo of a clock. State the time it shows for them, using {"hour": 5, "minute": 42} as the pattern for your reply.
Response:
{"hour": 4, "minute": 49}
